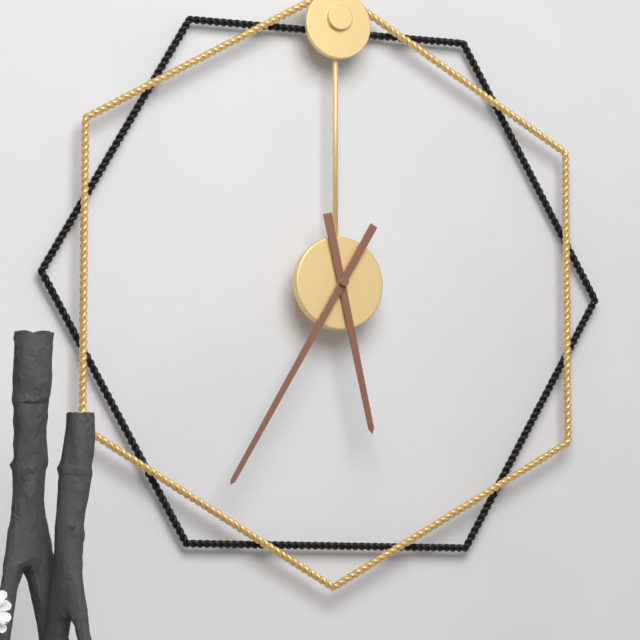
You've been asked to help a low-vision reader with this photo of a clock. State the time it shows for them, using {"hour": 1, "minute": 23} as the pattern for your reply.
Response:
{"hour": 5, "minute": 35}
